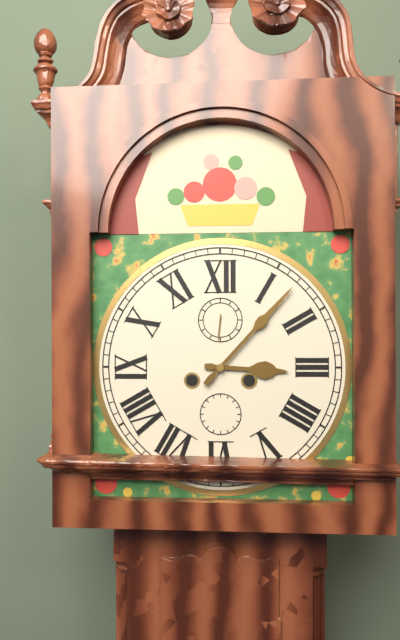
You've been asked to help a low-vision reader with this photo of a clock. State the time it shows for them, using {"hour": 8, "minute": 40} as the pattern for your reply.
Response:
{"hour": 3, "minute": 7}
